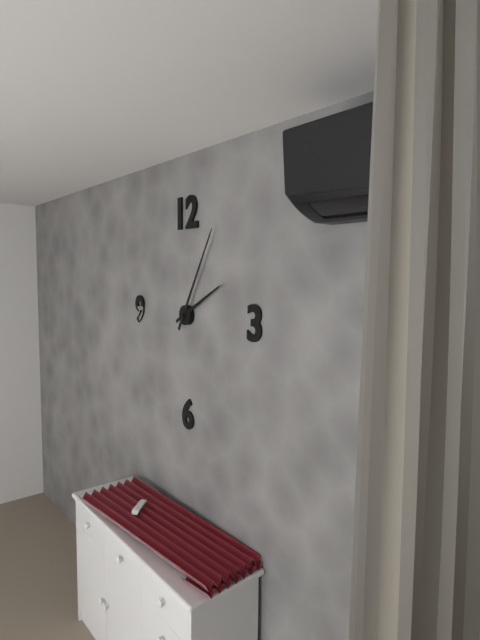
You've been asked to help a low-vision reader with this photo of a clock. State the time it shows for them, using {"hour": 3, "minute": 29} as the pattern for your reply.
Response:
{"hour": 2, "minute": 5}
